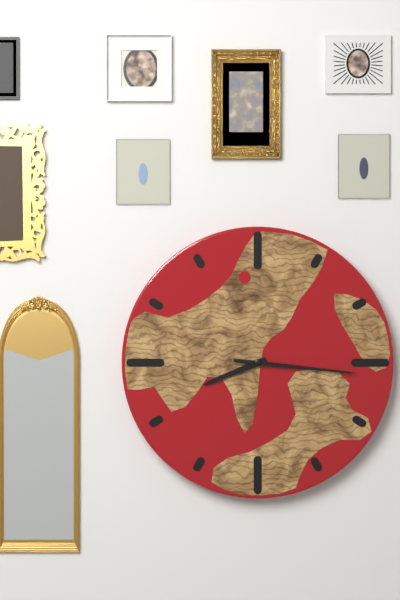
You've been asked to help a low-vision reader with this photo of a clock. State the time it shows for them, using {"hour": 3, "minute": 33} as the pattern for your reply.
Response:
{"hour": 8, "minute": 16}
